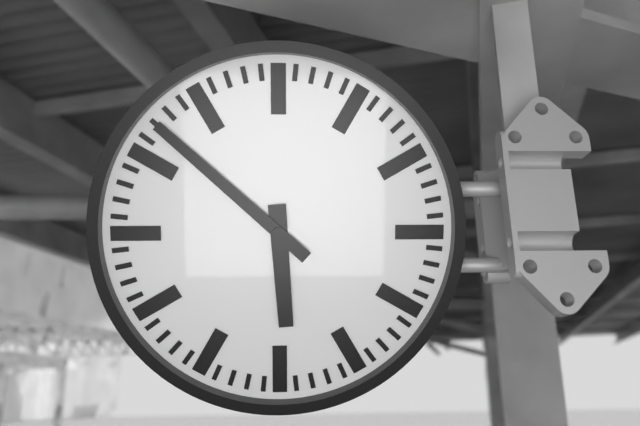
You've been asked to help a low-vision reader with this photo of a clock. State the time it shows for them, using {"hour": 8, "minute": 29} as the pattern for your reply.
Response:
{"hour": 5, "minute": 52}
